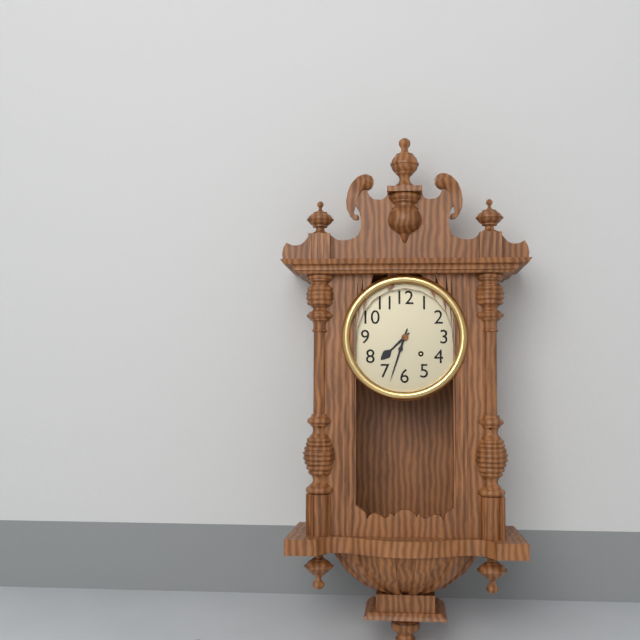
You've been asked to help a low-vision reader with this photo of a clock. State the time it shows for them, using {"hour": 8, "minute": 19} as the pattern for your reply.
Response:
{"hour": 7, "minute": 33}
